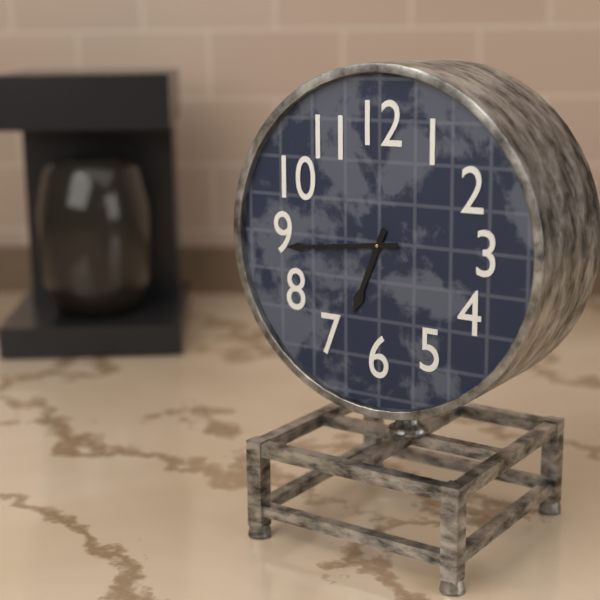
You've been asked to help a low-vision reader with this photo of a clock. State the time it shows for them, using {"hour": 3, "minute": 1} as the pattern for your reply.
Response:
{"hour": 6, "minute": 44}
